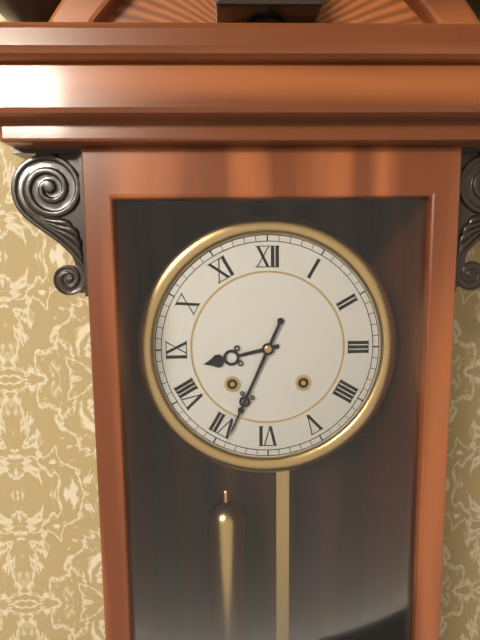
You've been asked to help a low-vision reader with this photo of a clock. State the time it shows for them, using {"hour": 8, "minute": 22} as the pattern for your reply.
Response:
{"hour": 8, "minute": 34}
